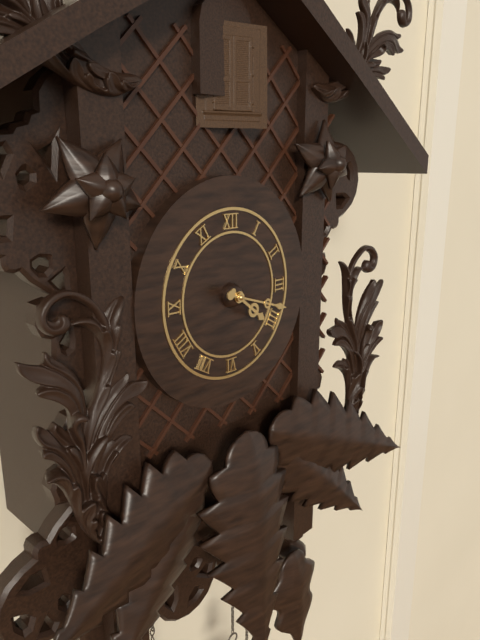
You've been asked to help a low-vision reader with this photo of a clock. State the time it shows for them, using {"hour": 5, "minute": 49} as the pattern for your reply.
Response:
{"hour": 4, "minute": 18}
